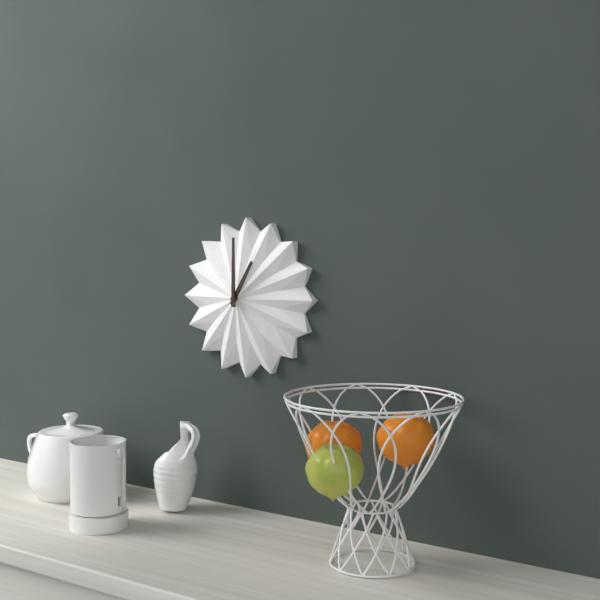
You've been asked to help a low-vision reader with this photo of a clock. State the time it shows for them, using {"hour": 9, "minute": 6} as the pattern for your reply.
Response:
{"hour": 1, "minute": 0}
